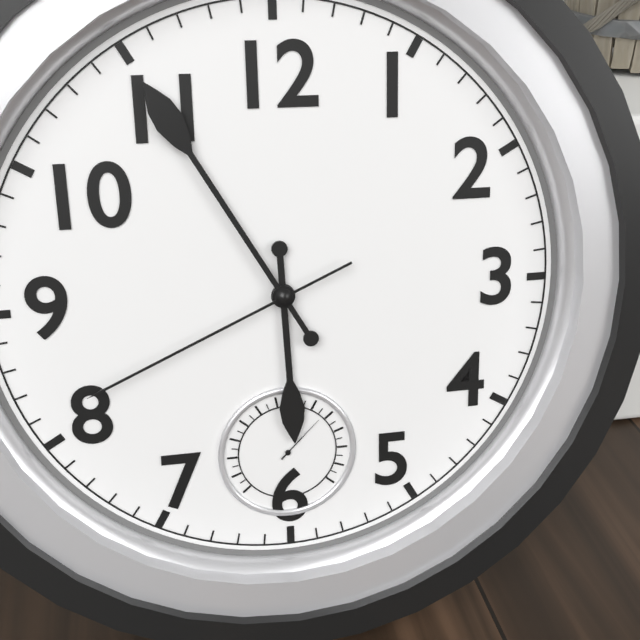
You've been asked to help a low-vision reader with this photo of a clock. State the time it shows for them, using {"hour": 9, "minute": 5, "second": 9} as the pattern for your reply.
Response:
{"hour": 5, "minute": 55, "second": 41}
